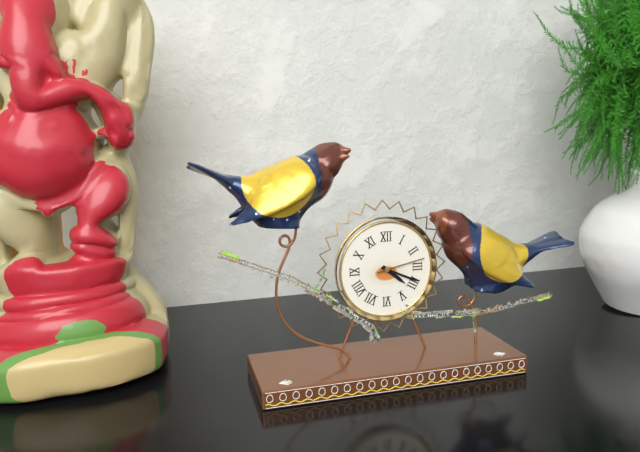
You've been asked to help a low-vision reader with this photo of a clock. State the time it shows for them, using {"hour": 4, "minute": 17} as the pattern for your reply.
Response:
{"hour": 4, "minute": 19}
